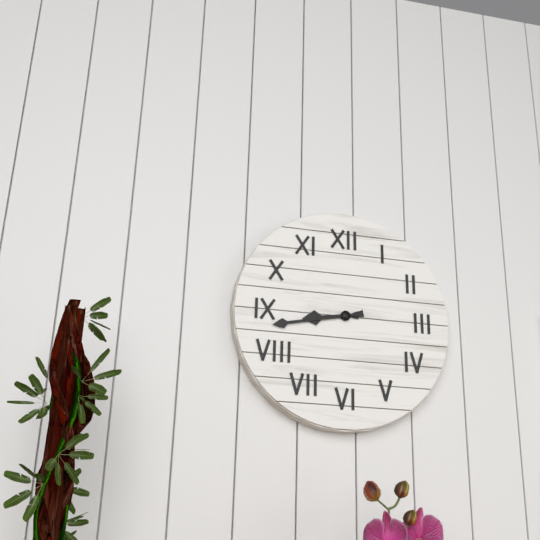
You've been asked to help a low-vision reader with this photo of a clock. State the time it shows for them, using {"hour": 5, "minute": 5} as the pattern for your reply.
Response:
{"hour": 8, "minute": 43}
